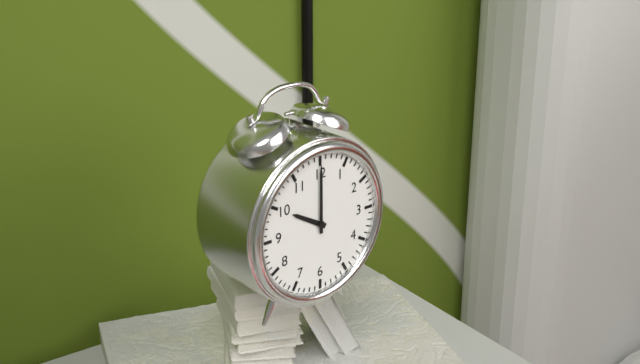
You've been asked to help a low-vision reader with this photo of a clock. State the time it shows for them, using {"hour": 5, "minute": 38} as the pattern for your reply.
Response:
{"hour": 10, "minute": 0}
